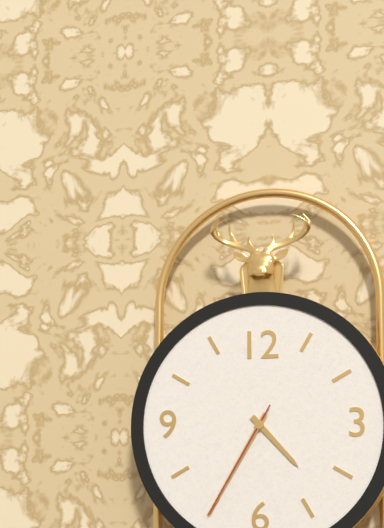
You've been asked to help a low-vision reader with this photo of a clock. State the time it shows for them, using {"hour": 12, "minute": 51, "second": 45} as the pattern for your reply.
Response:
{"hour": 4, "minute": 35, "second": 35}
